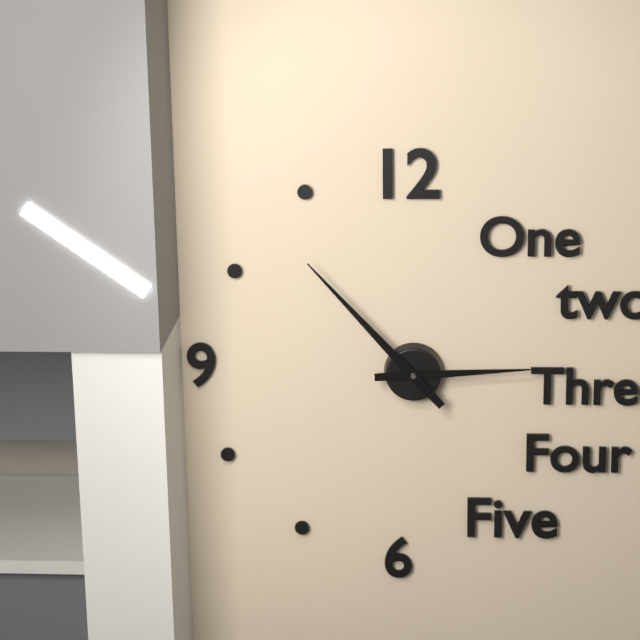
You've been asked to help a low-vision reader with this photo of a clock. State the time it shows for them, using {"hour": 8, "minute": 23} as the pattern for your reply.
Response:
{"hour": 2, "minute": 53}
